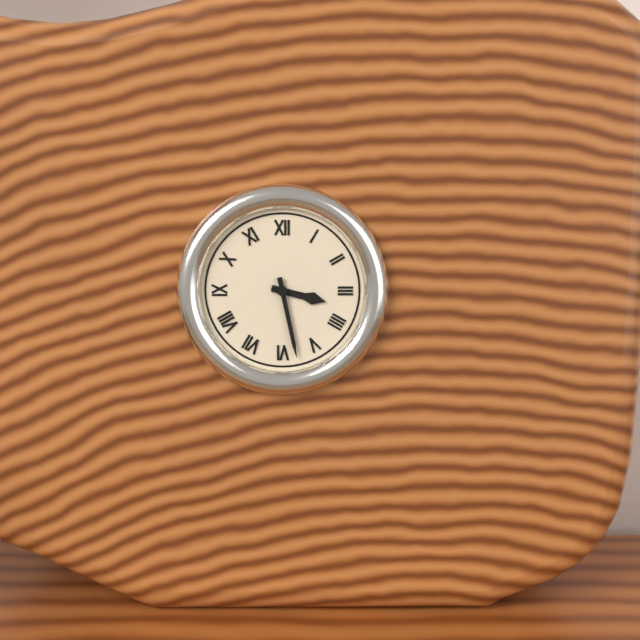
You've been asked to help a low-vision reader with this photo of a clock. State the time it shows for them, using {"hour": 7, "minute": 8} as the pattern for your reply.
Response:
{"hour": 3, "minute": 28}
